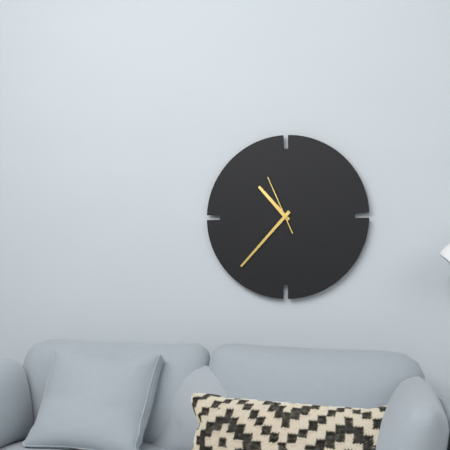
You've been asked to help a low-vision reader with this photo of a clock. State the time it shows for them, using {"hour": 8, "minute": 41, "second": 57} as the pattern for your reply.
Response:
{"hour": 10, "minute": 37, "second": 56}
